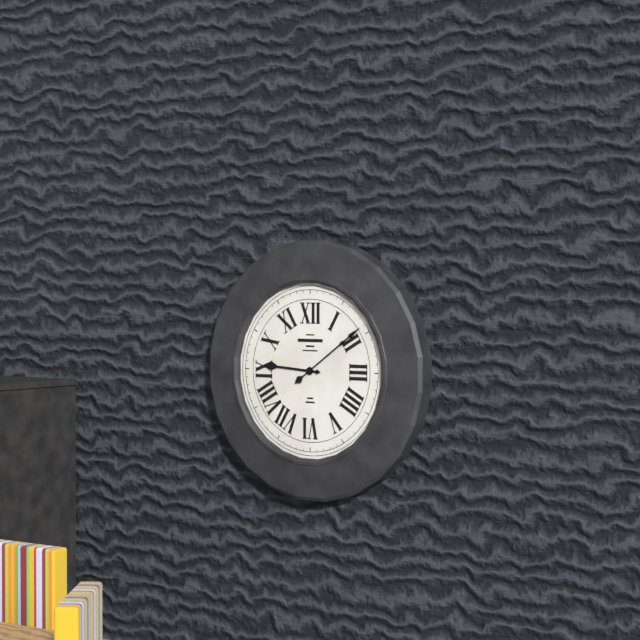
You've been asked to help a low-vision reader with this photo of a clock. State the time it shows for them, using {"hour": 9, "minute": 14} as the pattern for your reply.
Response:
{"hour": 9, "minute": 9}
